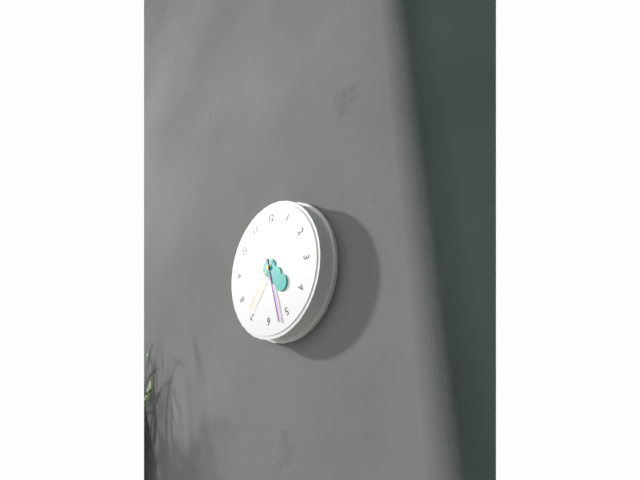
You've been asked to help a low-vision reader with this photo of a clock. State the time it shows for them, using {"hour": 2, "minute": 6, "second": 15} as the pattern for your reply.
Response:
{"hour": 4, "minute": 27, "second": 36}
